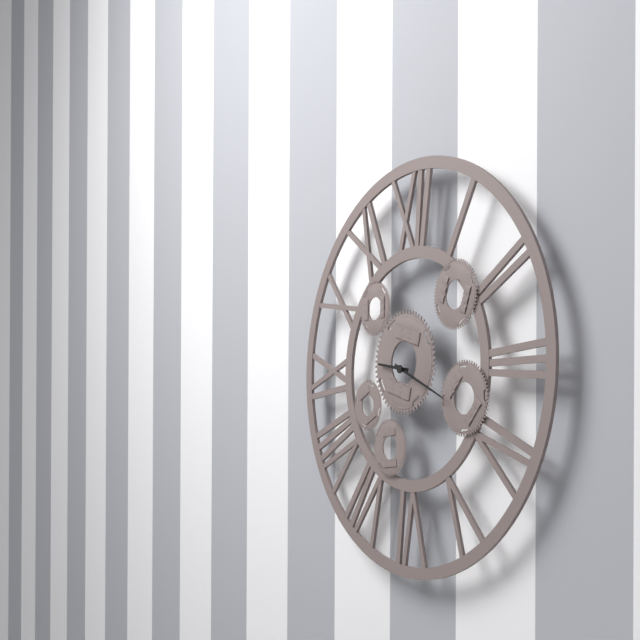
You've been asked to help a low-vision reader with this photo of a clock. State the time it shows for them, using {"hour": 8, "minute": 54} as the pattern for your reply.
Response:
{"hour": 9, "minute": 19}
